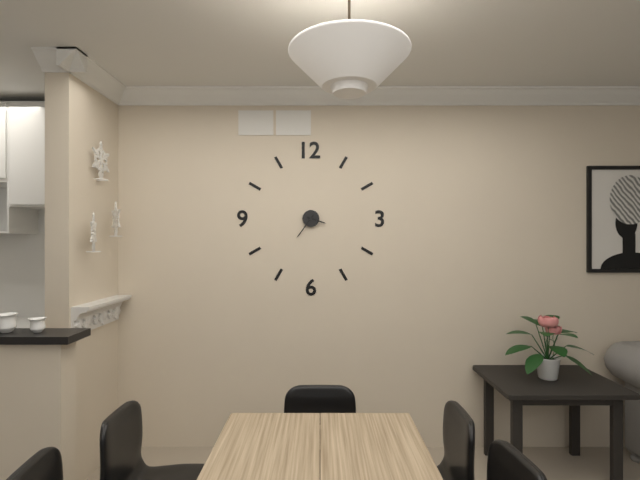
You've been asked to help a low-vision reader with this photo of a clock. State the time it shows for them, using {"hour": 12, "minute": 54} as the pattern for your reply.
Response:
{"hour": 3, "minute": 36}
